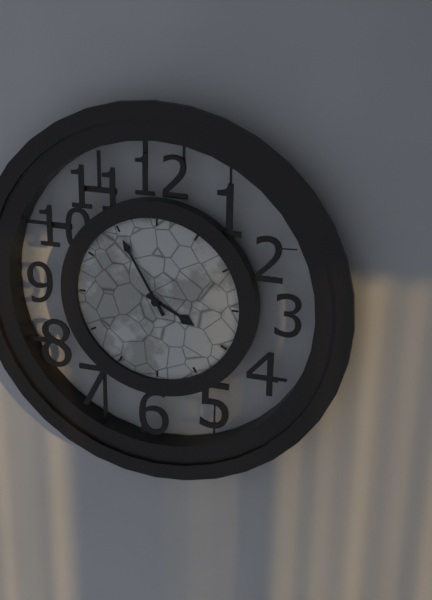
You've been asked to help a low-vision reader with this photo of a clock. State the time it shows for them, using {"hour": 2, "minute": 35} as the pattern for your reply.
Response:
{"hour": 3, "minute": 55}
